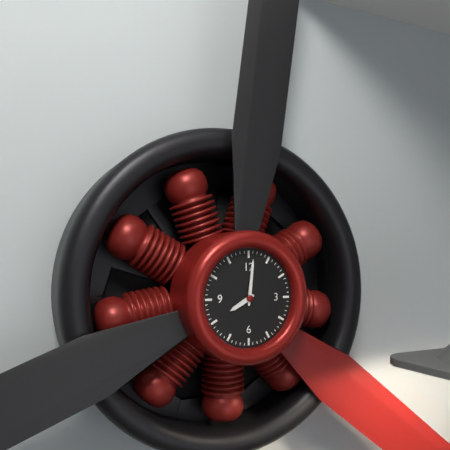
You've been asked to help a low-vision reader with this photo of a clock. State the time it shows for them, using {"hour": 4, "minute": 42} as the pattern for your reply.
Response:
{"hour": 8, "minute": 1}
